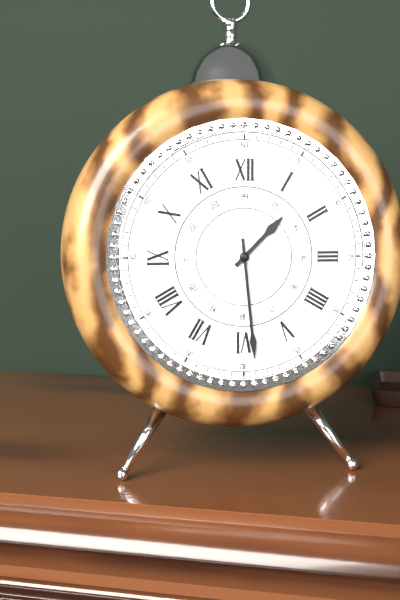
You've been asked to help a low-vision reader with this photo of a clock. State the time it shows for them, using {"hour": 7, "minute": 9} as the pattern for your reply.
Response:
{"hour": 1, "minute": 29}
